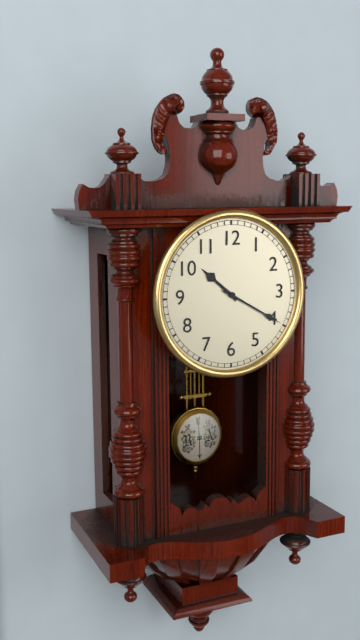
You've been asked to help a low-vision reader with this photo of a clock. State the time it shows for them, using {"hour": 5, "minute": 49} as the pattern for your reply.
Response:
{"hour": 10, "minute": 20}
